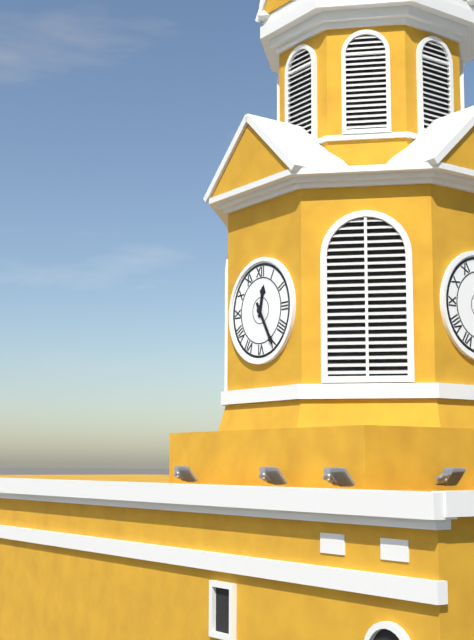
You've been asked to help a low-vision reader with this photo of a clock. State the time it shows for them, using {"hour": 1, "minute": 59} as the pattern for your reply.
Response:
{"hour": 12, "minute": 25}
